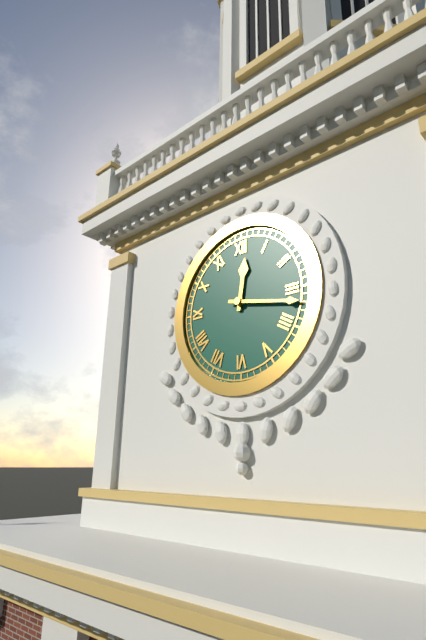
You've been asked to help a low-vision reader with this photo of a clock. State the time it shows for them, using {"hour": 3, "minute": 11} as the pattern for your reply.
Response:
{"hour": 12, "minute": 17}
